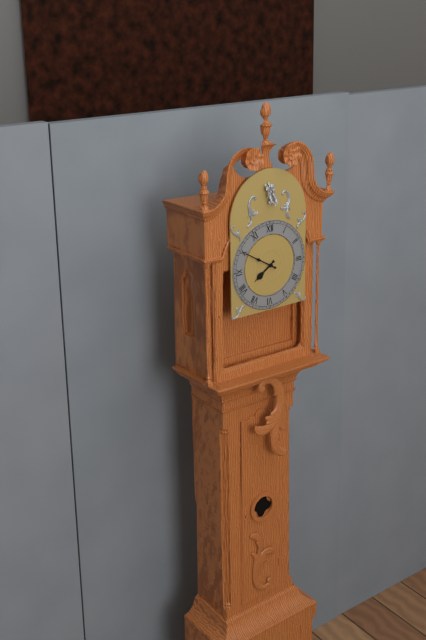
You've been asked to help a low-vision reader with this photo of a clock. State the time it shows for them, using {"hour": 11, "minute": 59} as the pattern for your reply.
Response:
{"hour": 7, "minute": 50}
